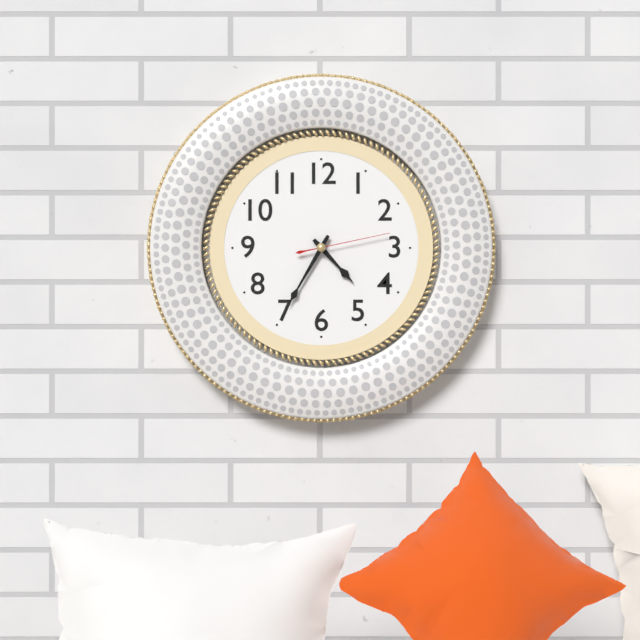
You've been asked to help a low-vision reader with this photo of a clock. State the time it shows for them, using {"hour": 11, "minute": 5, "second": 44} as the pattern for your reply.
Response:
{"hour": 4, "minute": 35, "second": 13}
